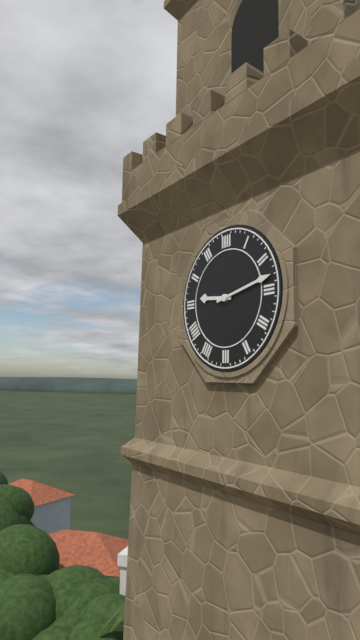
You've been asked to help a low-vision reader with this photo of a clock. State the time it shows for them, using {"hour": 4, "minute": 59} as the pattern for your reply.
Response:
{"hour": 9, "minute": 13}
